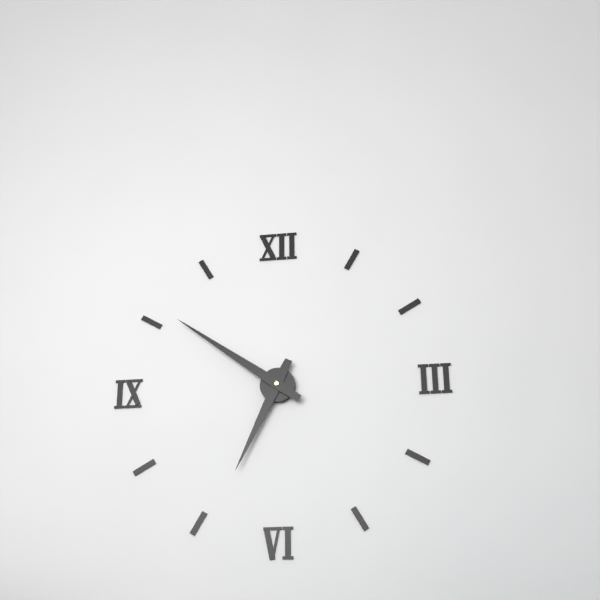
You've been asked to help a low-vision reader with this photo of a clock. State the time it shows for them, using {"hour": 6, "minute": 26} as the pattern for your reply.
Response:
{"hour": 6, "minute": 51}
